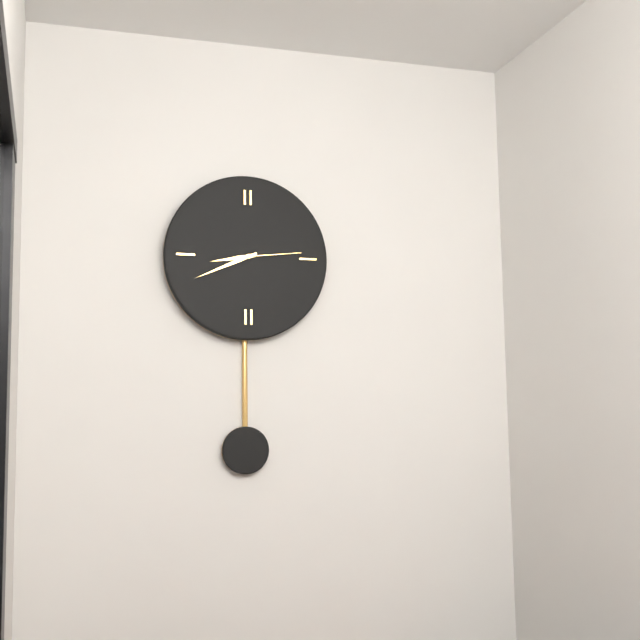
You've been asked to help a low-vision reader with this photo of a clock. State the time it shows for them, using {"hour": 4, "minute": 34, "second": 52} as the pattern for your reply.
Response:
{"hour": 8, "minute": 41, "second": 14}
